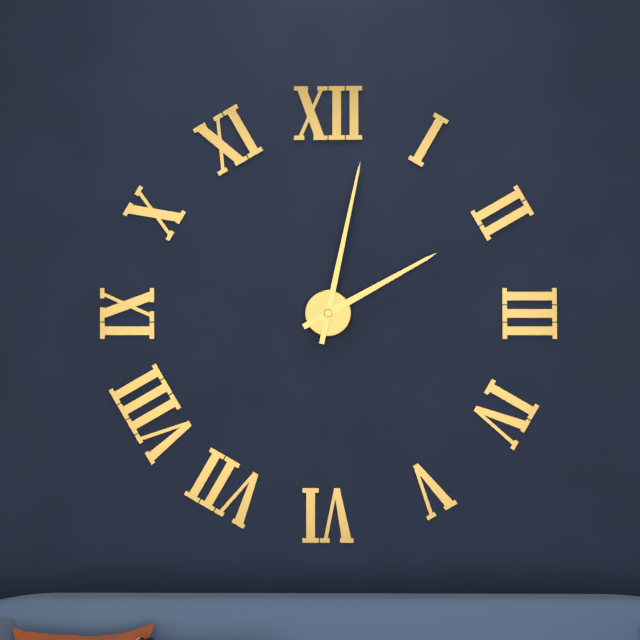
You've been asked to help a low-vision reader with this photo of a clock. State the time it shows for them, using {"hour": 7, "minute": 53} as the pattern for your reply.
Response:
{"hour": 2, "minute": 2}
